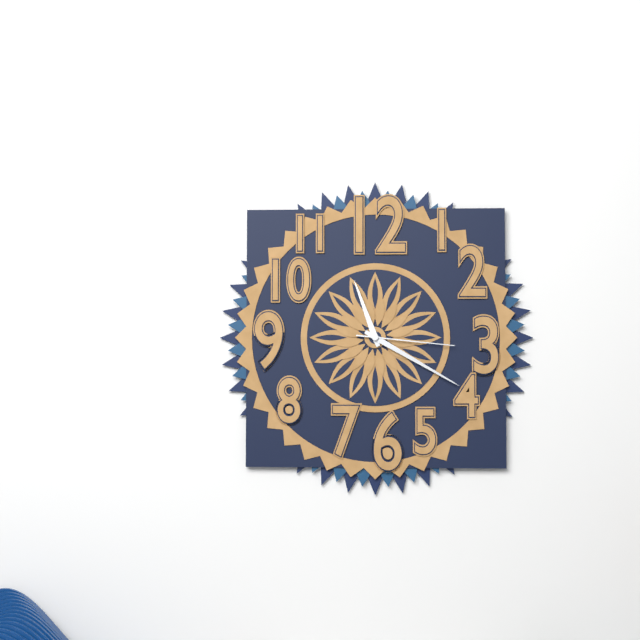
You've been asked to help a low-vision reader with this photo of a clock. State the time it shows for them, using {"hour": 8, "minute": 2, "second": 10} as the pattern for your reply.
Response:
{"hour": 11, "minute": 20, "second": 16}
